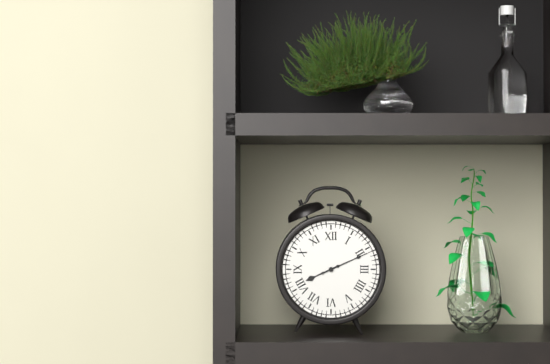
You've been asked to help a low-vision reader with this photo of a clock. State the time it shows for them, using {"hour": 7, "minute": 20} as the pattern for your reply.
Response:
{"hour": 8, "minute": 11}
